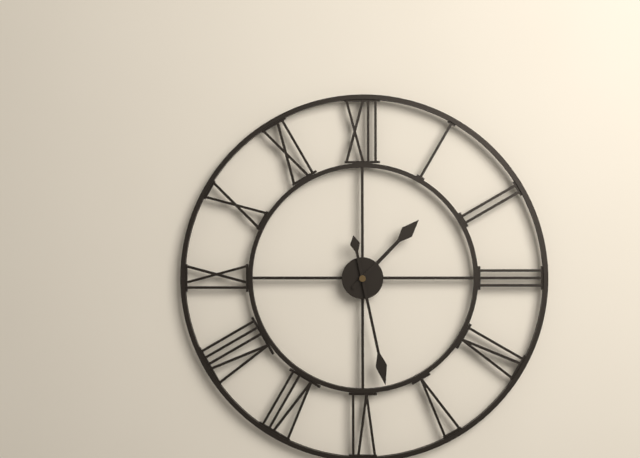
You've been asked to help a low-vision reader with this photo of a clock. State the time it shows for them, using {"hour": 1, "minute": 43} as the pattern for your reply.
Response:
{"hour": 1, "minute": 28}
